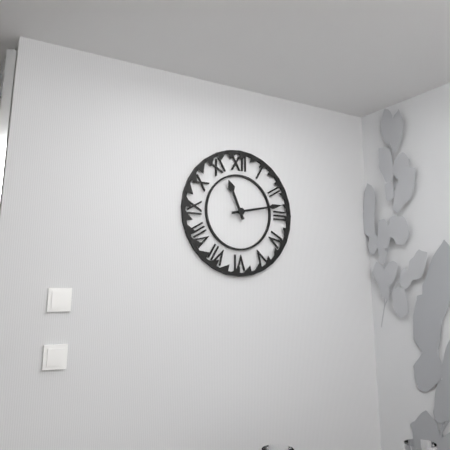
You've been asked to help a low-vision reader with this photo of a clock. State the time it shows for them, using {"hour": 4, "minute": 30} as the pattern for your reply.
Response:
{"hour": 11, "minute": 13}
